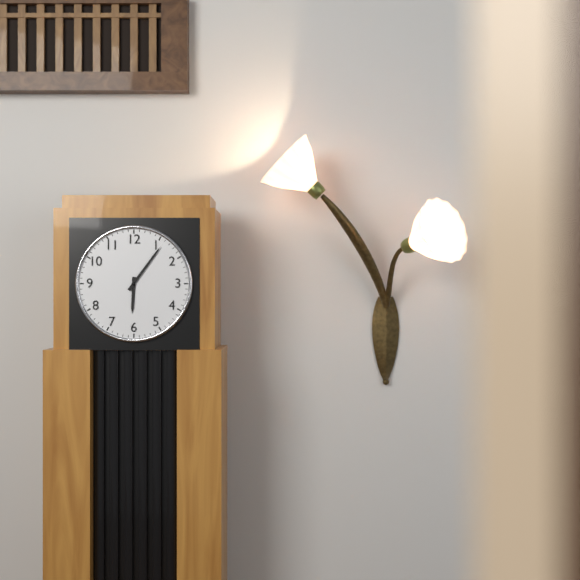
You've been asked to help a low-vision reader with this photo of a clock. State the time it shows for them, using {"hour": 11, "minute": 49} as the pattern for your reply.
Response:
{"hour": 6, "minute": 6}
